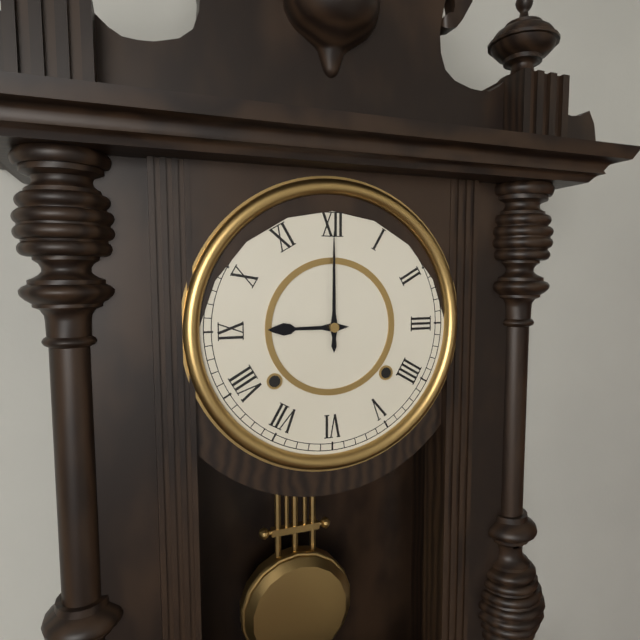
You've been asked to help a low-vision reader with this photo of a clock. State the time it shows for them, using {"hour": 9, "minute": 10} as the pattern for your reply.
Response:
{"hour": 9, "minute": 0}
